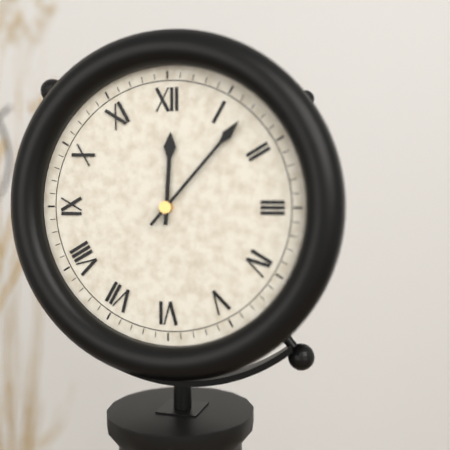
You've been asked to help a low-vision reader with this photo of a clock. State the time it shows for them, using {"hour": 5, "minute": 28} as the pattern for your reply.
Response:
{"hour": 12, "minute": 7}
